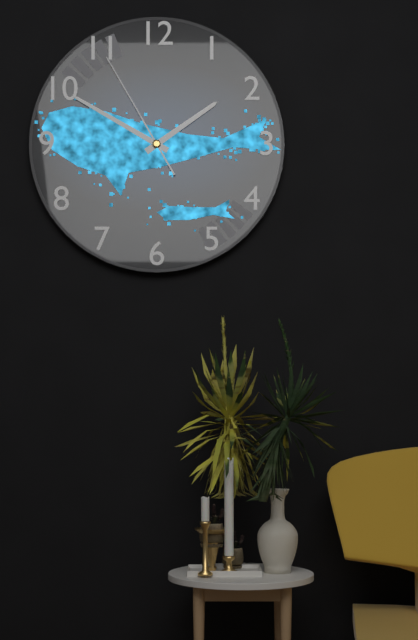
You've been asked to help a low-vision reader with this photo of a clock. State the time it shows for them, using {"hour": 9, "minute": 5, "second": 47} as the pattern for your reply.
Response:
{"hour": 1, "minute": 50, "second": 55}
